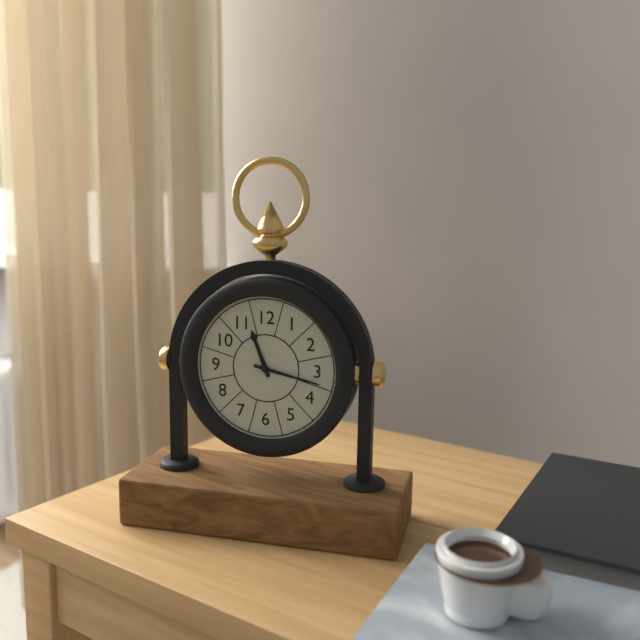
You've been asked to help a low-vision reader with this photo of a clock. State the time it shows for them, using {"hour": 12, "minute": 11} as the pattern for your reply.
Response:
{"hour": 11, "minute": 17}
